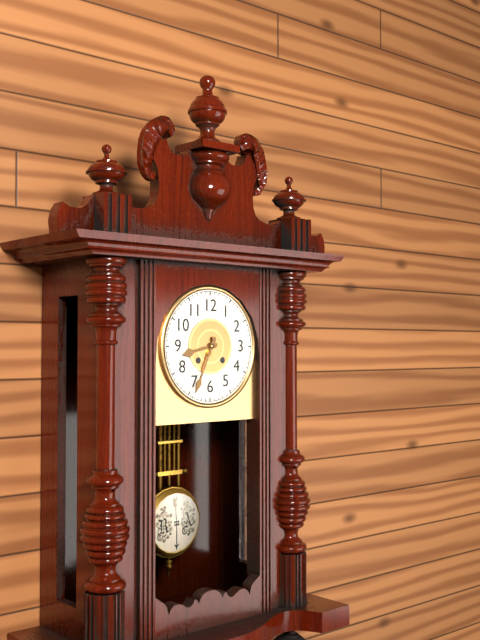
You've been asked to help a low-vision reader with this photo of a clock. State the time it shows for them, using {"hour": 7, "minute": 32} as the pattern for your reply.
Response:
{"hour": 8, "minute": 34}
